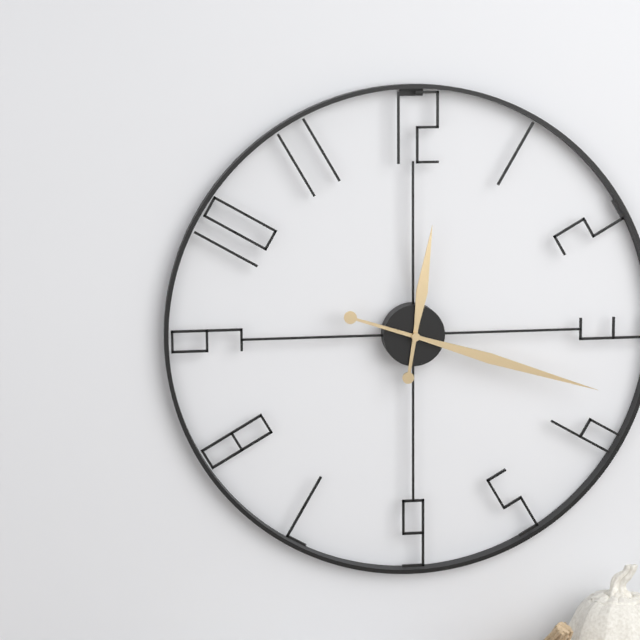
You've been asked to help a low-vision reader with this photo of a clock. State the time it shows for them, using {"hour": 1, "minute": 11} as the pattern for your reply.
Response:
{"hour": 12, "minute": 18}
